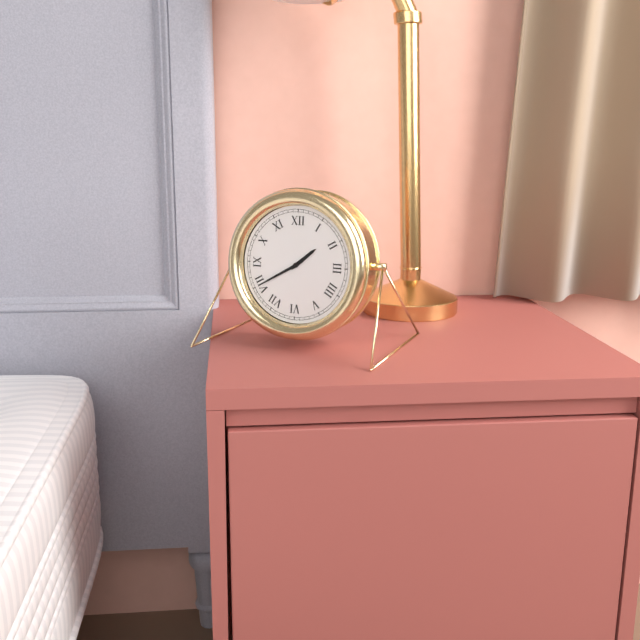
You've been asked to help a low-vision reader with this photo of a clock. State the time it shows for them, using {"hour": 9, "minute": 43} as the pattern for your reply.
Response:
{"hour": 1, "minute": 40}
